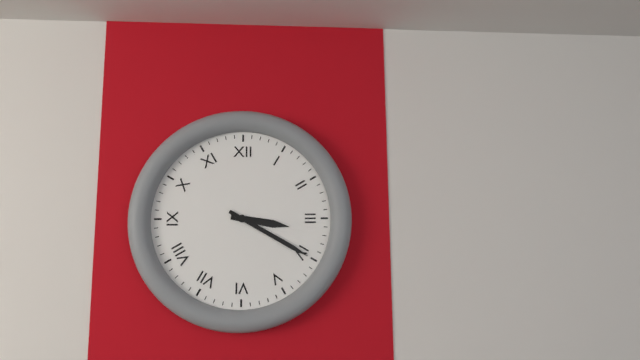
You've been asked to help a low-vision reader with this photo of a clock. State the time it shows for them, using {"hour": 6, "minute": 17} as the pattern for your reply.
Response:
{"hour": 3, "minute": 20}
